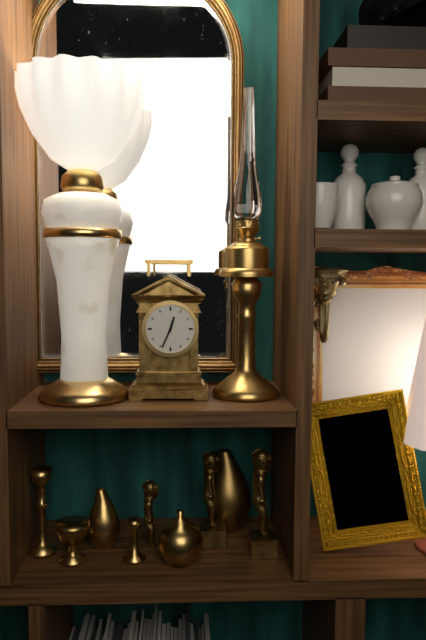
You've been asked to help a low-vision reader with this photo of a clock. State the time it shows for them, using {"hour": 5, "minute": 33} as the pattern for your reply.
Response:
{"hour": 12, "minute": 34}
